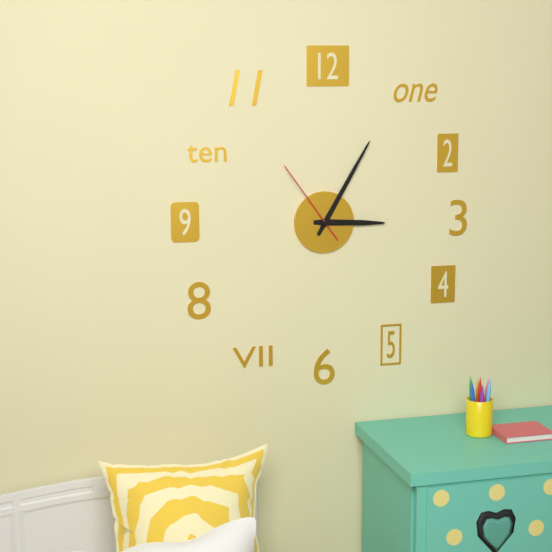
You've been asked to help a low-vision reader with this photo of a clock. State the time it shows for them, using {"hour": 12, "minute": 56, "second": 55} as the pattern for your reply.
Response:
{"hour": 3, "minute": 5, "second": 54}
